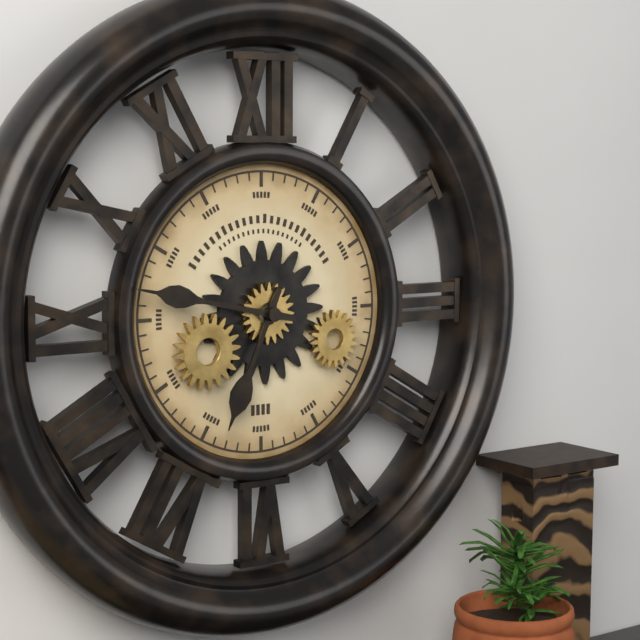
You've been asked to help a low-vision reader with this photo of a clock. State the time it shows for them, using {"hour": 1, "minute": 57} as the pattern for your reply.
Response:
{"hour": 6, "minute": 47}
